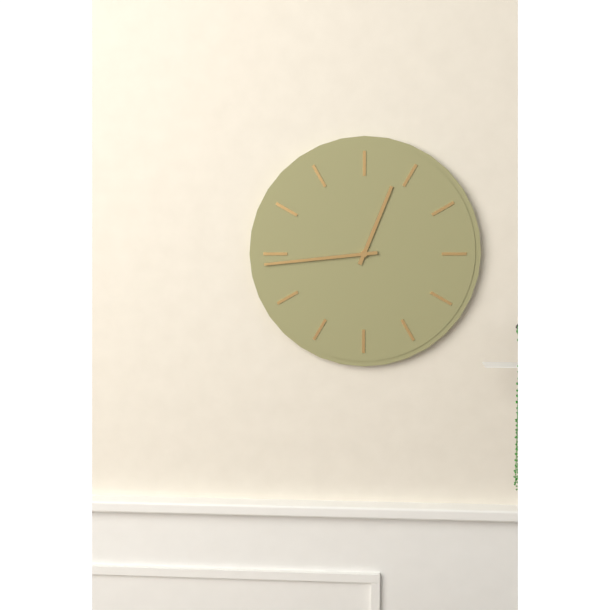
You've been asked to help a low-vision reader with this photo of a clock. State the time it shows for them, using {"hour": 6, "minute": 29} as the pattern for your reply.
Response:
{"hour": 12, "minute": 44}
